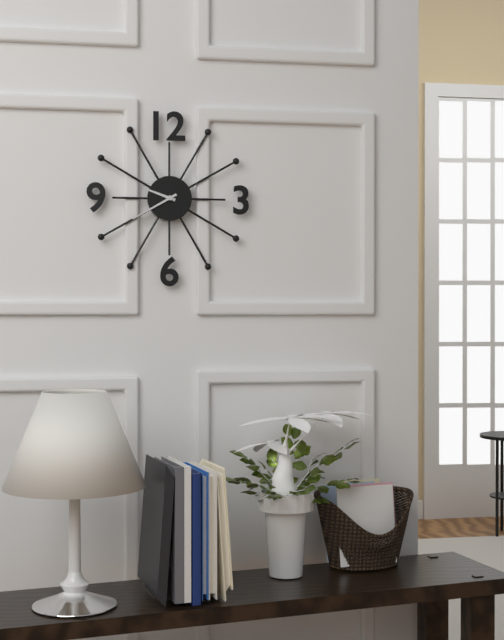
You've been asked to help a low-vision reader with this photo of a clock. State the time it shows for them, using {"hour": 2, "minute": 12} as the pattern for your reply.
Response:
{"hour": 9, "minute": 40}
